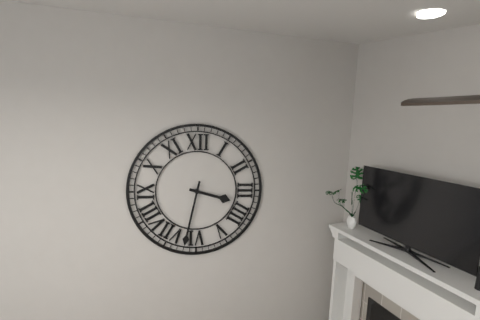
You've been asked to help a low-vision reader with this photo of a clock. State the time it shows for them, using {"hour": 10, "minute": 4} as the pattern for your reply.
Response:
{"hour": 3, "minute": 32}
